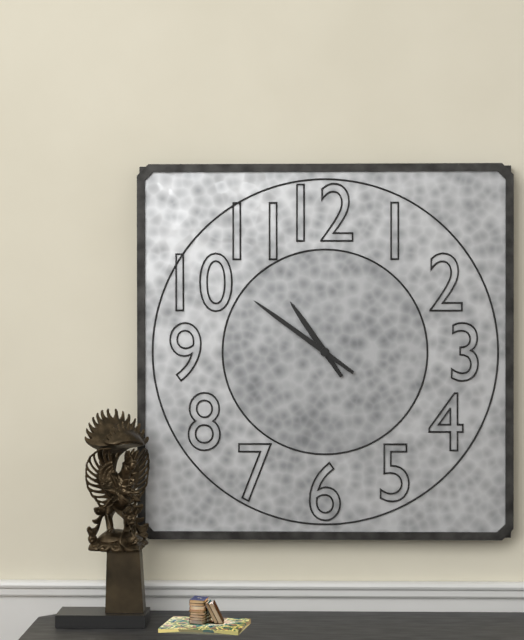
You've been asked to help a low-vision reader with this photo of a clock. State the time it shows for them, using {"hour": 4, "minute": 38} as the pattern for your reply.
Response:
{"hour": 10, "minute": 51}
